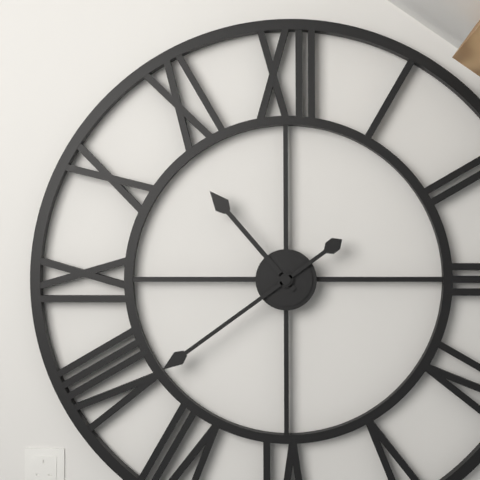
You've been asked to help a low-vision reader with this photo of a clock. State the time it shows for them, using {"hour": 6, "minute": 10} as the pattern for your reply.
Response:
{"hour": 10, "minute": 39}
